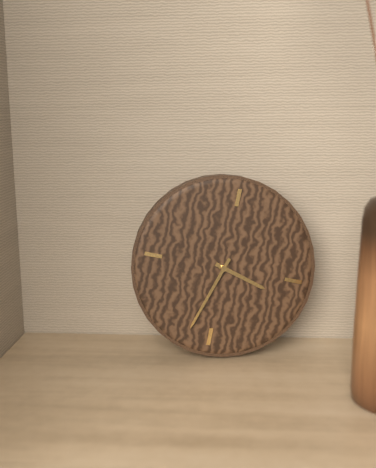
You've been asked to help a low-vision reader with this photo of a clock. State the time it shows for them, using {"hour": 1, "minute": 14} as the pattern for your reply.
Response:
{"hour": 3, "minute": 33}
